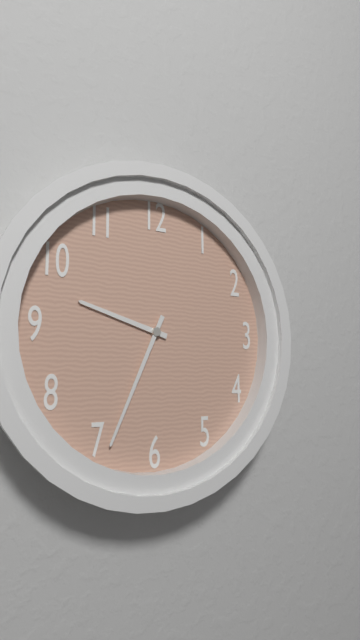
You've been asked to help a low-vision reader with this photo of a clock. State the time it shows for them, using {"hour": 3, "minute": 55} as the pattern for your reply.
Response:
{"hour": 9, "minute": 34}
